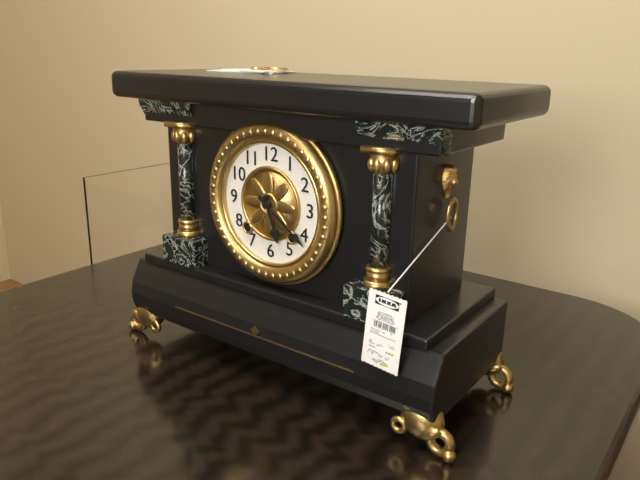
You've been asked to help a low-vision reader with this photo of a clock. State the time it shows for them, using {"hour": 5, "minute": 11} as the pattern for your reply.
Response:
{"hour": 5, "minute": 21}
